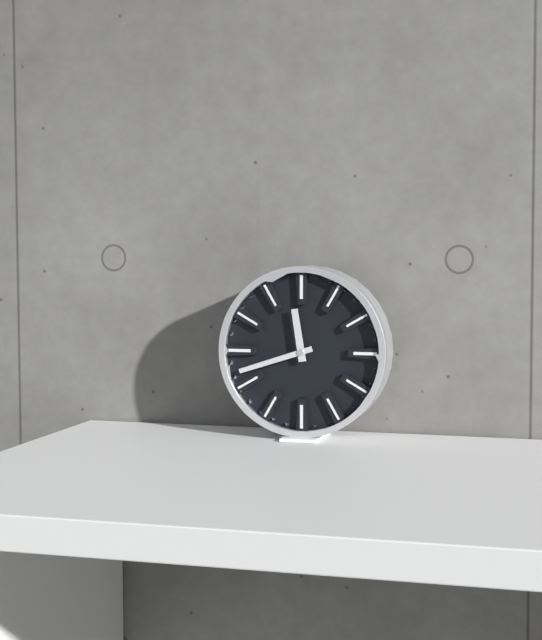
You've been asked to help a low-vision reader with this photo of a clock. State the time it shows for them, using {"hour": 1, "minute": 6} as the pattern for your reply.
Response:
{"hour": 11, "minute": 42}
